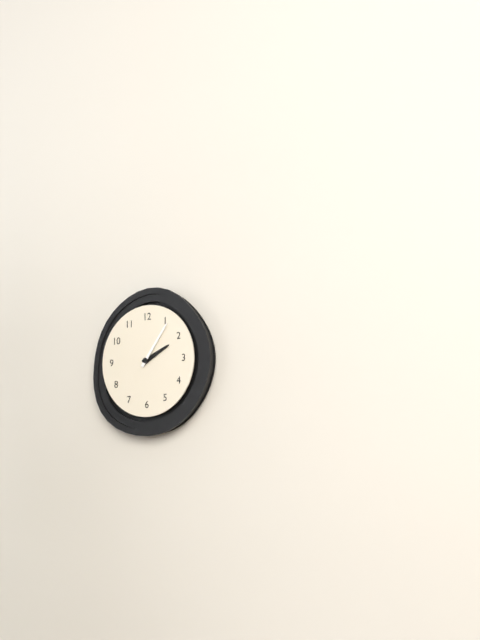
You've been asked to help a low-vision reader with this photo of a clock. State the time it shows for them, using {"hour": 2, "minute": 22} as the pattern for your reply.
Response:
{"hour": 2, "minute": 6}
